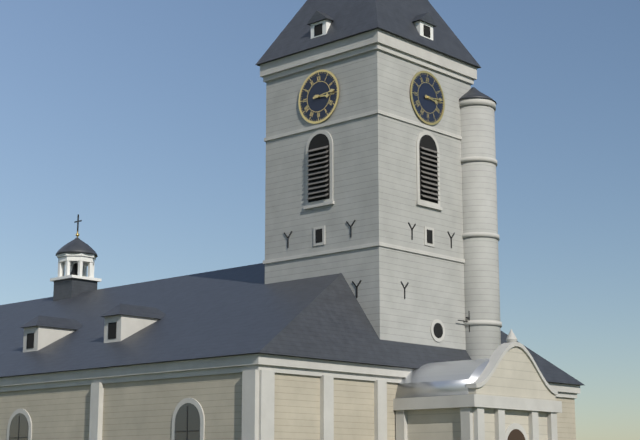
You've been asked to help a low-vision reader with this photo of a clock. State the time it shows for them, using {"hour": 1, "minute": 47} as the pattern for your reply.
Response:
{"hour": 3, "minute": 14}
